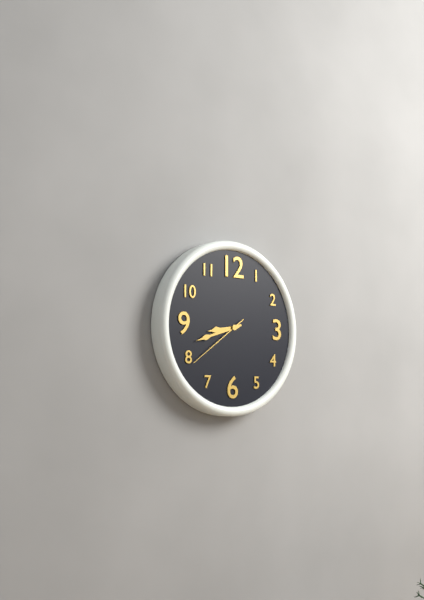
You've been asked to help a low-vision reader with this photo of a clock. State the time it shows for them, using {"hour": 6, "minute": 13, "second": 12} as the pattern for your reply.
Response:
{"hour": 8, "minute": 42, "second": 39}
